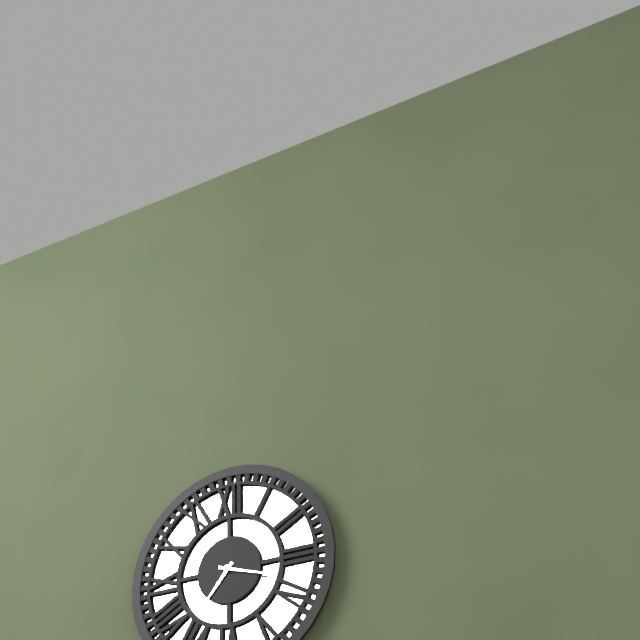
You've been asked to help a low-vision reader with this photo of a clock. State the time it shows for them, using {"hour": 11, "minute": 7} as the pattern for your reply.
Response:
{"hour": 7, "minute": 18}
